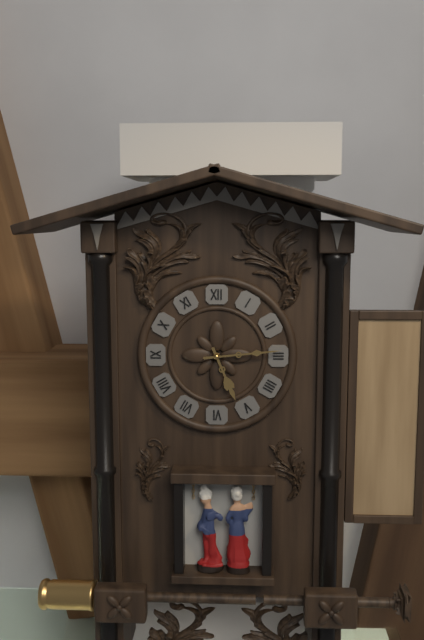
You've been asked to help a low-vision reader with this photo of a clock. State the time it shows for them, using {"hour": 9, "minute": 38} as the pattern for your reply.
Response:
{"hour": 5, "minute": 14}
